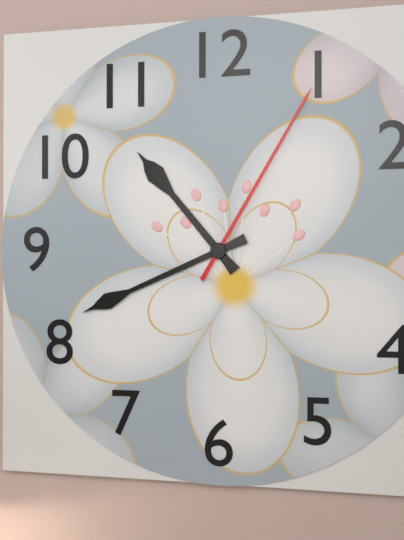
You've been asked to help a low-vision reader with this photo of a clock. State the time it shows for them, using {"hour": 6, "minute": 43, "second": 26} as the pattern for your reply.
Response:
{"hour": 10, "minute": 41, "second": 5}
